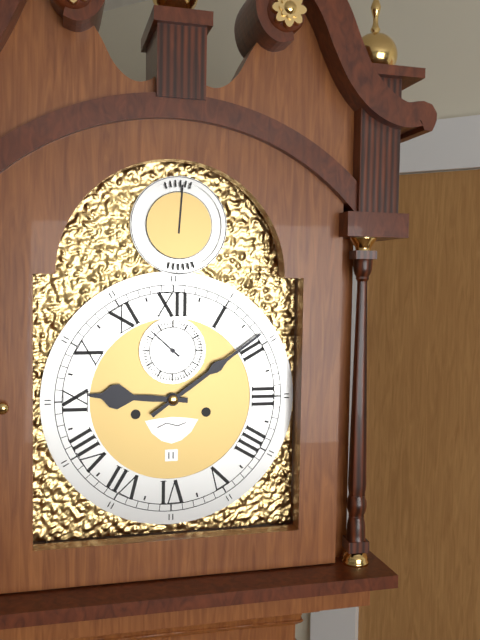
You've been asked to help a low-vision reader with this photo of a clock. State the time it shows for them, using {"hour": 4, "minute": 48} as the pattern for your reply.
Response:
{"hour": 9, "minute": 9}
